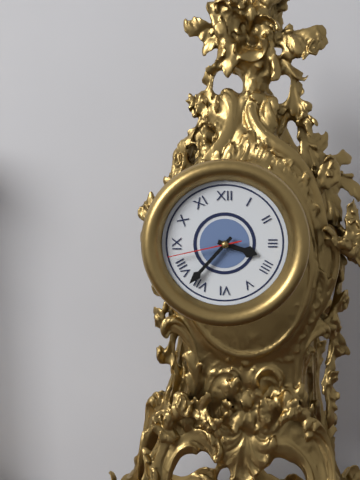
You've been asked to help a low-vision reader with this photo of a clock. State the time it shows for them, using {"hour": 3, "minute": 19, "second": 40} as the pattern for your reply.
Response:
{"hour": 3, "minute": 37, "second": 43}
